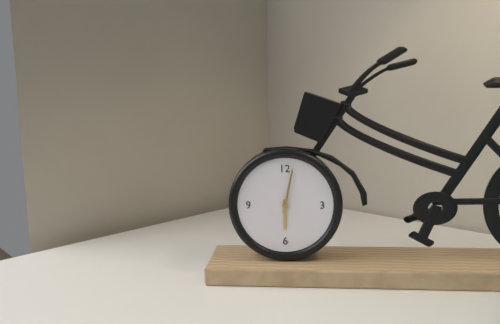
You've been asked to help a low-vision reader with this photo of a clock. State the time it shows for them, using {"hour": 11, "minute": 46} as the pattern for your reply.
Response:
{"hour": 6, "minute": 2}
